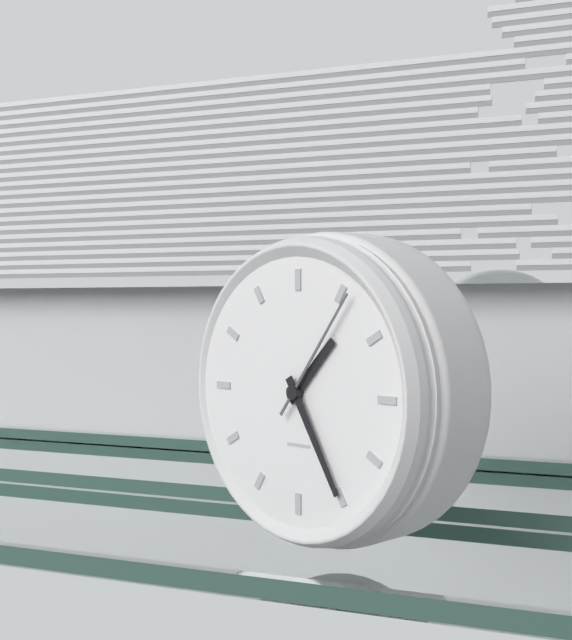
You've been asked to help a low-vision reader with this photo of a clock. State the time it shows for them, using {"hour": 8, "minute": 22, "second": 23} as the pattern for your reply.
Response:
{"hour": 1, "minute": 25, "second": 6}
